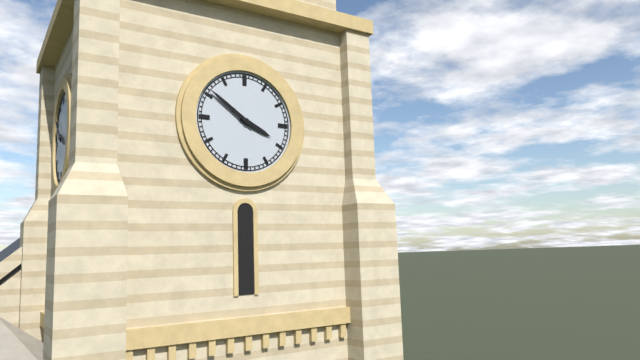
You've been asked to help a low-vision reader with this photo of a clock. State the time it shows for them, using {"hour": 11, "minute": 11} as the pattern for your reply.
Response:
{"hour": 3, "minute": 51}
